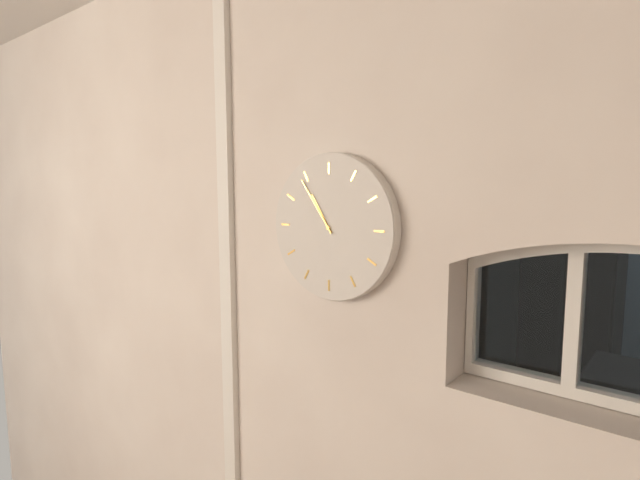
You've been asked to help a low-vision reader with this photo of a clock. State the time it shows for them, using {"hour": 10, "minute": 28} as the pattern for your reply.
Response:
{"hour": 10, "minute": 54}
